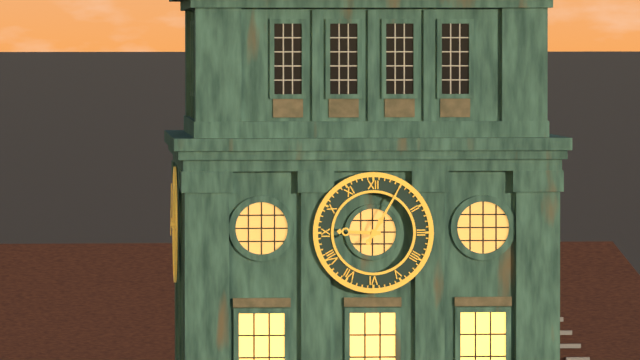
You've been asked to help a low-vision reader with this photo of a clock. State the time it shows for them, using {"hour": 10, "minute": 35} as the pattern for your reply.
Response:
{"hour": 9, "minute": 5}
